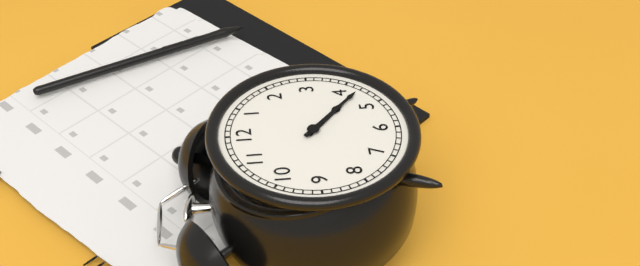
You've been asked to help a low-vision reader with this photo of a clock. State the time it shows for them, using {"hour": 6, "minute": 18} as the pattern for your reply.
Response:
{"hour": 4, "minute": 22}
